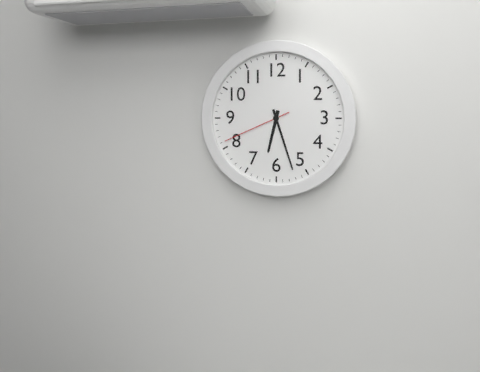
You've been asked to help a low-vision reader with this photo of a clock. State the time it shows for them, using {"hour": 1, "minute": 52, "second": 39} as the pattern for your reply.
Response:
{"hour": 6, "minute": 27, "second": 41}
